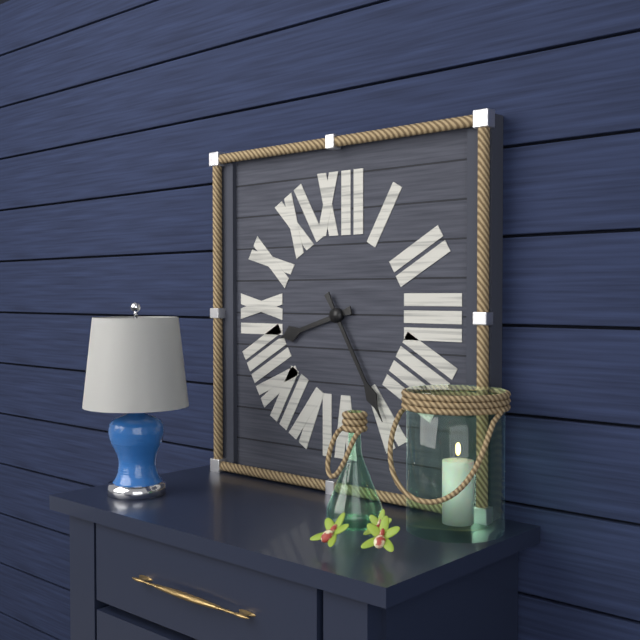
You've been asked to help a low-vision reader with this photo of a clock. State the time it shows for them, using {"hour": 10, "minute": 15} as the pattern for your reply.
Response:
{"hour": 8, "minute": 25}
